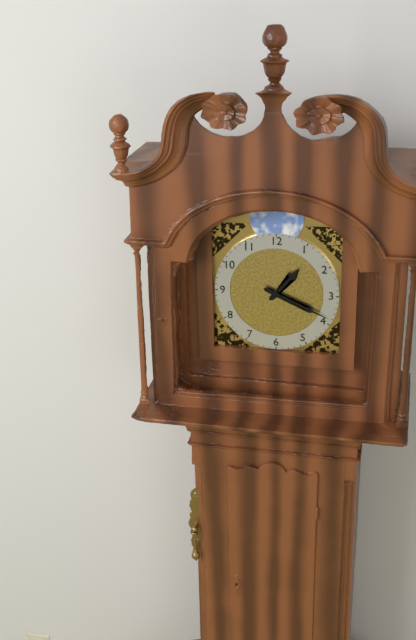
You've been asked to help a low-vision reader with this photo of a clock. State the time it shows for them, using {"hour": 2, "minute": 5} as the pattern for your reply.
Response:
{"hour": 1, "minute": 19}
